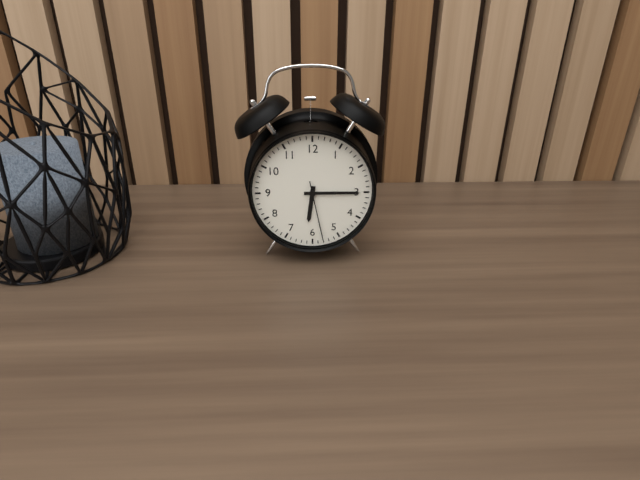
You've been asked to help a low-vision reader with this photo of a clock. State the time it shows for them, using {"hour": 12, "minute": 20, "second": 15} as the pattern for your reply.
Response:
{"hour": 6, "minute": 15, "second": 28}
